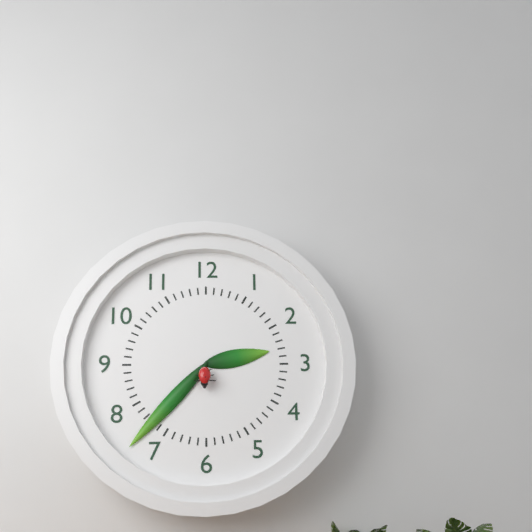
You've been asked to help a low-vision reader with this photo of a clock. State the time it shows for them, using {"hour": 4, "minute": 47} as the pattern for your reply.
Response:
{"hour": 2, "minute": 37}
